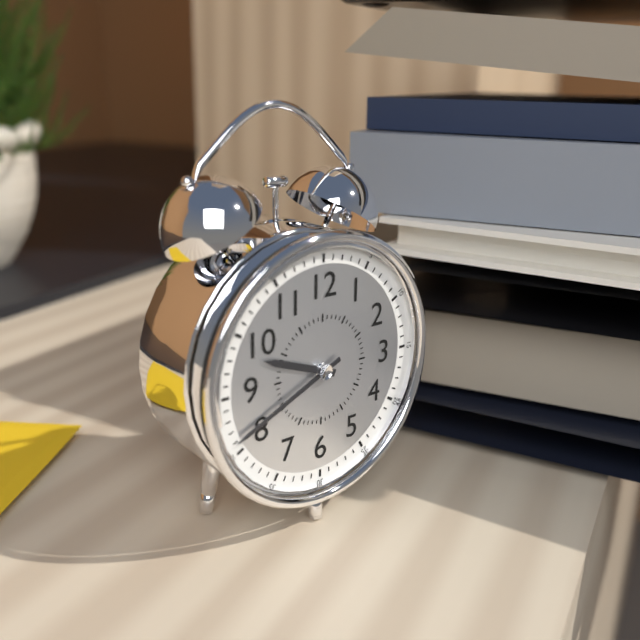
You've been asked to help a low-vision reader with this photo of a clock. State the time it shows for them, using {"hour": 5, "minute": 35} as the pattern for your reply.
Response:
{"hour": 9, "minute": 41}
